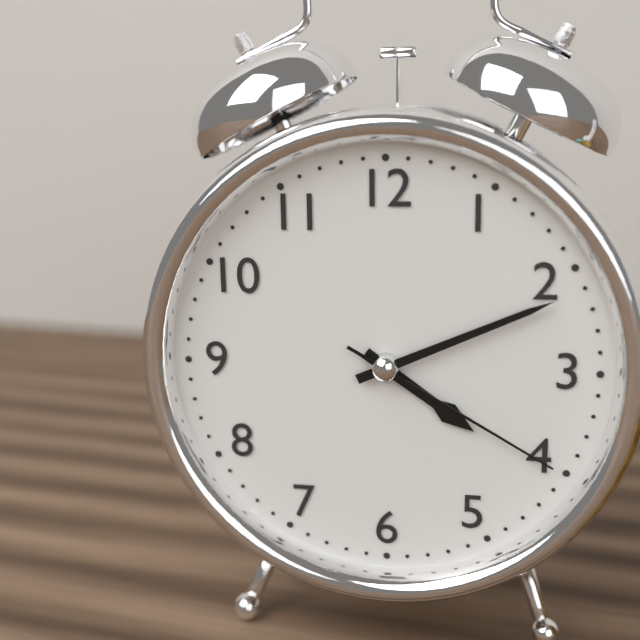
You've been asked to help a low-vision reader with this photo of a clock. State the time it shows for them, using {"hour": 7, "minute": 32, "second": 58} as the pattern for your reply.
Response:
{"hour": 4, "minute": 11, "second": 20}
